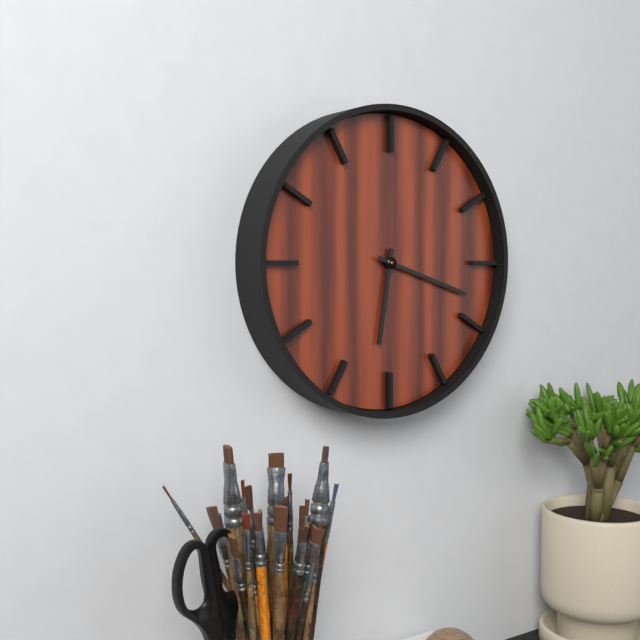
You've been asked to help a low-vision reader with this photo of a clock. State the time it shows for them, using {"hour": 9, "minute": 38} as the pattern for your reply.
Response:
{"hour": 6, "minute": 18}
